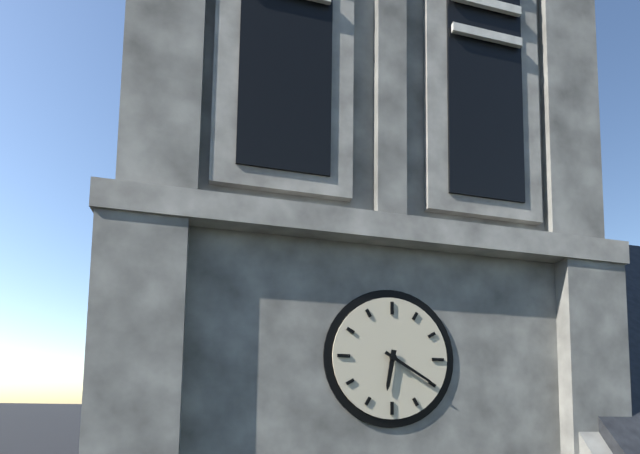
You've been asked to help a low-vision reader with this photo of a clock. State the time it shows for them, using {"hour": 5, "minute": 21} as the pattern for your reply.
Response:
{"hour": 6, "minute": 20}
